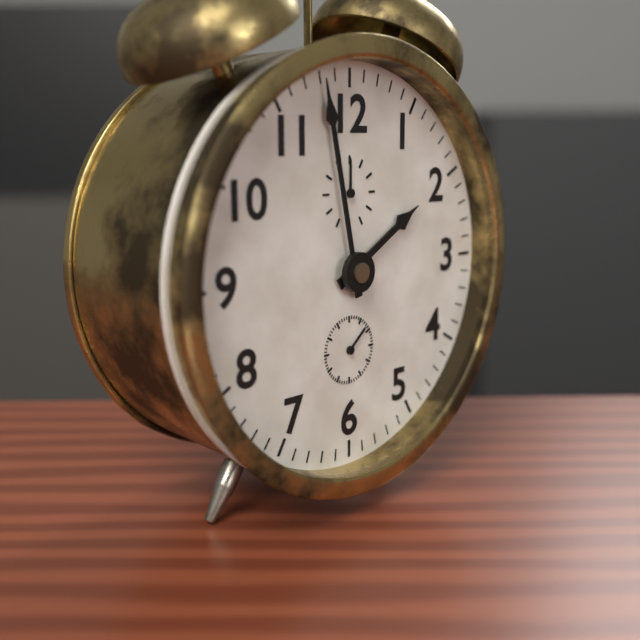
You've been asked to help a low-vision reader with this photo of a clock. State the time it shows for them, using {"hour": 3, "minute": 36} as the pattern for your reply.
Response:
{"hour": 1, "minute": 58}
